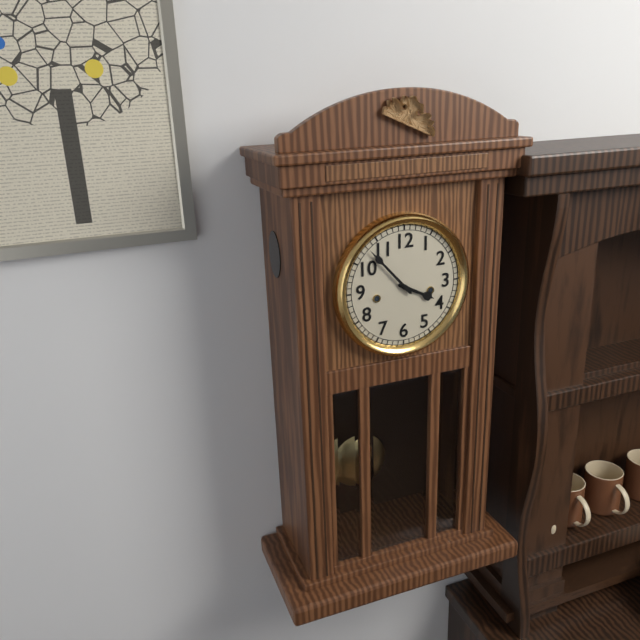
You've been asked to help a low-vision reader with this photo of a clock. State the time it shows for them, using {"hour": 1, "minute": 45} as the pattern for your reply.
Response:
{"hour": 3, "minute": 53}
